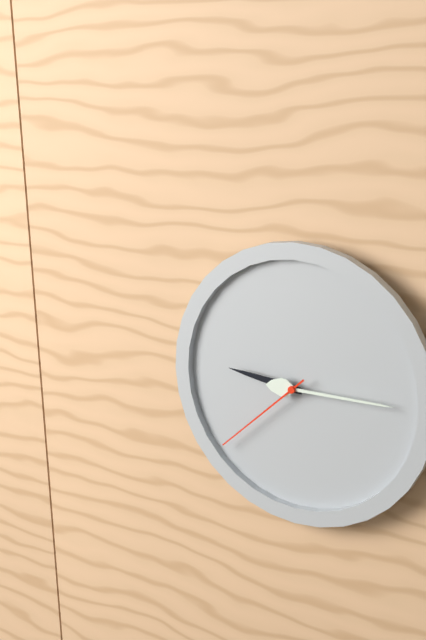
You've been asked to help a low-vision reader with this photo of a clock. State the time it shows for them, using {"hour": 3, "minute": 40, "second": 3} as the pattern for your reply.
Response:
{"hour": 9, "minute": 15, "second": 38}
